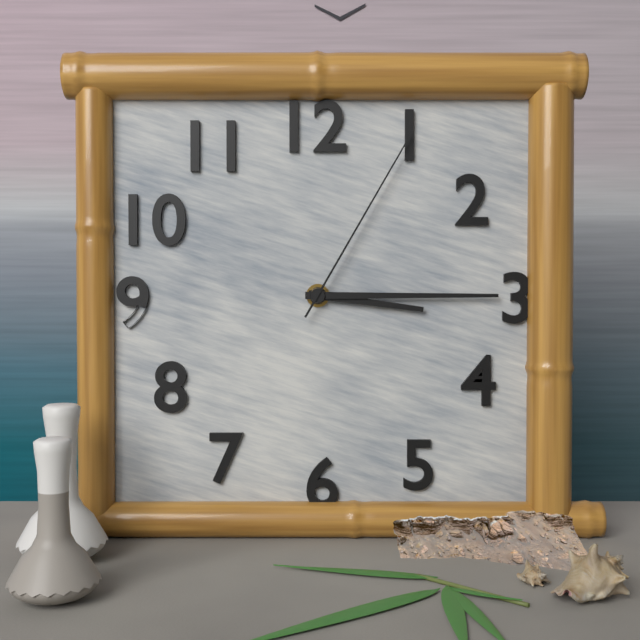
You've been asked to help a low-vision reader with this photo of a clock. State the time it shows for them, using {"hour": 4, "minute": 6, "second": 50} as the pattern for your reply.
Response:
{"hour": 3, "minute": 15, "second": 5}
